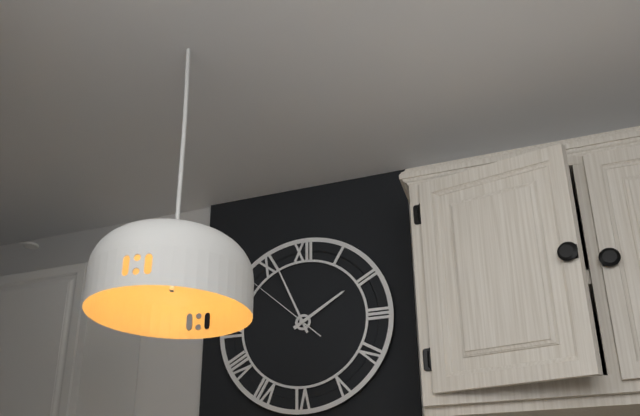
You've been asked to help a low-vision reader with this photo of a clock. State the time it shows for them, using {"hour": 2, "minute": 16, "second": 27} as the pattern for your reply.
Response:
{"hour": 1, "minute": 56, "second": 52}
